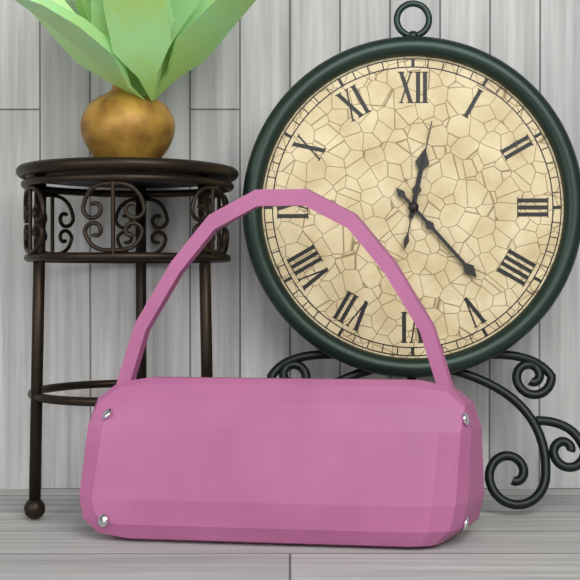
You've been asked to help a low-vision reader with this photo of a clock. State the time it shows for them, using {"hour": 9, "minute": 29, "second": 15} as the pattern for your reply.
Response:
{"hour": 12, "minute": 23, "second": 2}
